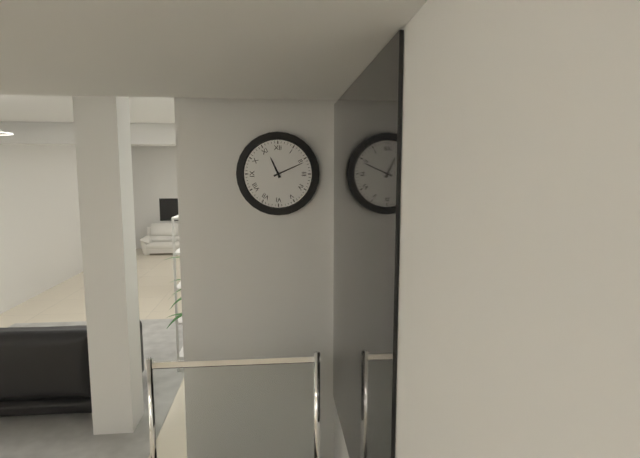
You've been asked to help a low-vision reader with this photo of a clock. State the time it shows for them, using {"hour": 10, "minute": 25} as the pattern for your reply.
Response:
{"hour": 11, "minute": 11}
